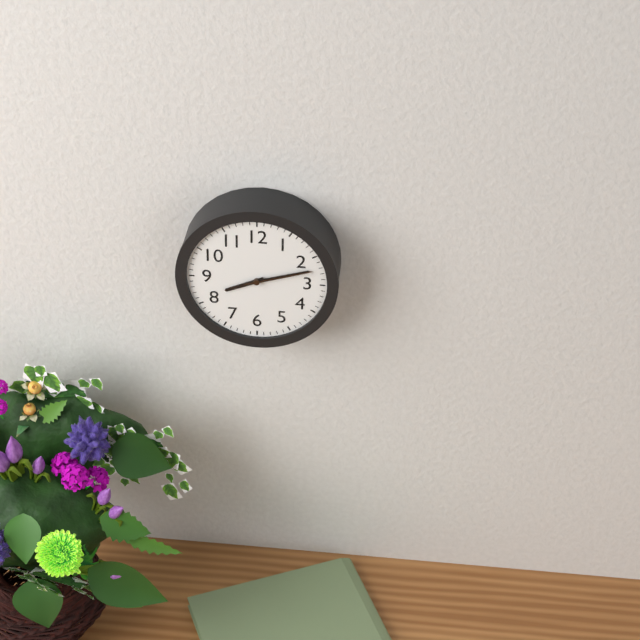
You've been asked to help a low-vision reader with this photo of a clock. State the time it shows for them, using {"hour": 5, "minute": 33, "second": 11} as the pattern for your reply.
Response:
{"hour": 8, "minute": 12, "second": 12}
